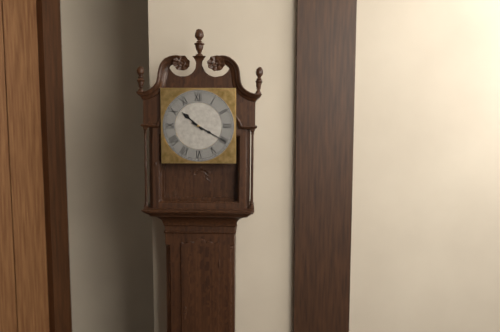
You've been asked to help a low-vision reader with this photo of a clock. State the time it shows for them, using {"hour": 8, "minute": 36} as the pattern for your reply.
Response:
{"hour": 10, "minute": 20}
